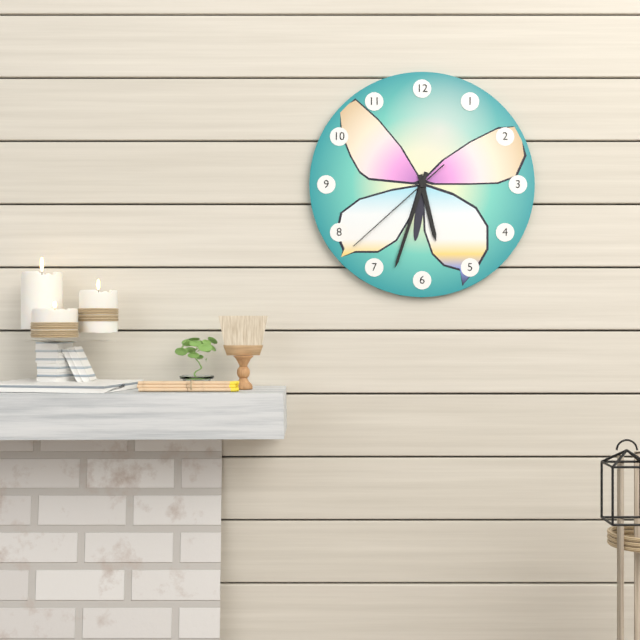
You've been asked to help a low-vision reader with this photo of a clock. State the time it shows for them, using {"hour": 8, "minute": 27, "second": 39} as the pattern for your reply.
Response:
{"hour": 5, "minute": 33, "second": 38}
